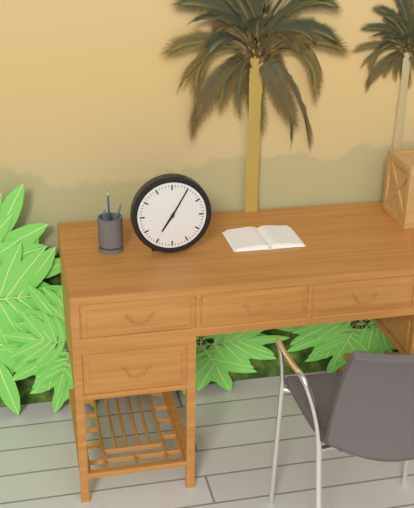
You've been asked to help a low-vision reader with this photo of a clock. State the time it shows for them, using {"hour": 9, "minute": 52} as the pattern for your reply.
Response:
{"hour": 7, "minute": 5}
